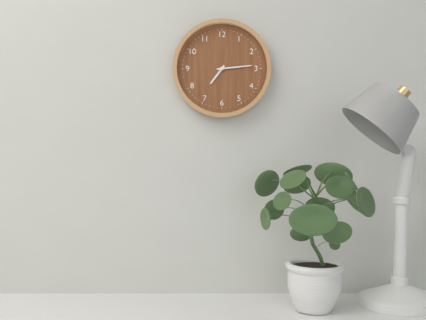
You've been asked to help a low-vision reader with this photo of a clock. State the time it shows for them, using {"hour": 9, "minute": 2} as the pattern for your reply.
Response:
{"hour": 7, "minute": 14}
